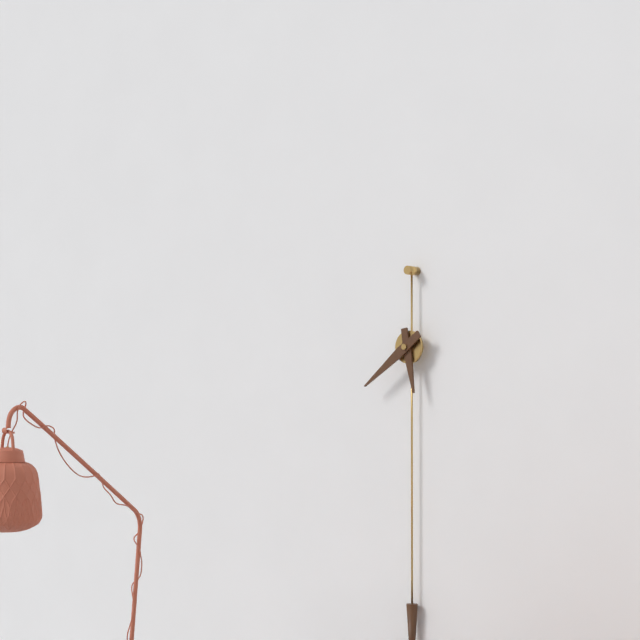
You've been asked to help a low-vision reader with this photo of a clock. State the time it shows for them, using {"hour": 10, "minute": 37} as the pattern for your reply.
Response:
{"hour": 5, "minute": 39}
